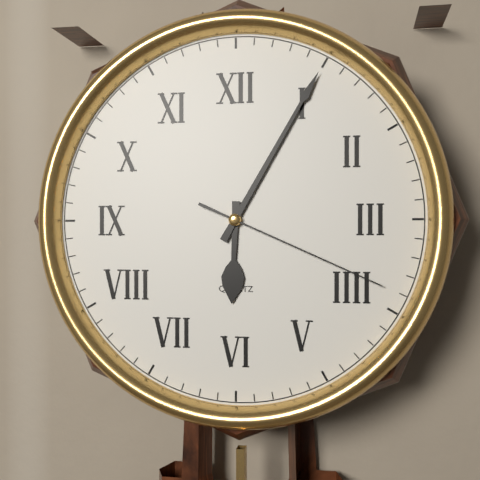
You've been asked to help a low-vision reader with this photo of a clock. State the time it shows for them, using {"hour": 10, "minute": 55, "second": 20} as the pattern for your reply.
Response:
{"hour": 6, "minute": 5, "second": 19}
